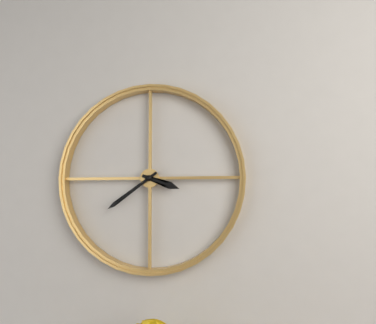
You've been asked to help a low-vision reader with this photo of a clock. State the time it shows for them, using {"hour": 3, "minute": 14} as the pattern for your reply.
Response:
{"hour": 3, "minute": 39}
